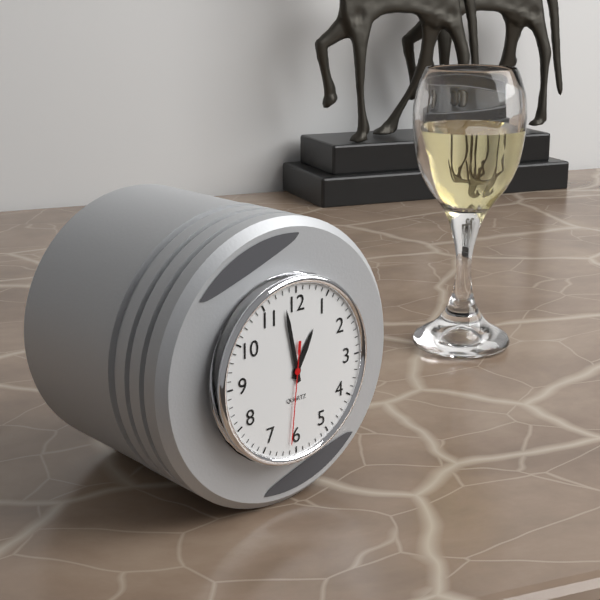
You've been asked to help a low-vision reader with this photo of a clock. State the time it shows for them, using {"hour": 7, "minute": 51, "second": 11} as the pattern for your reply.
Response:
{"hour": 12, "minute": 58, "second": 31}
